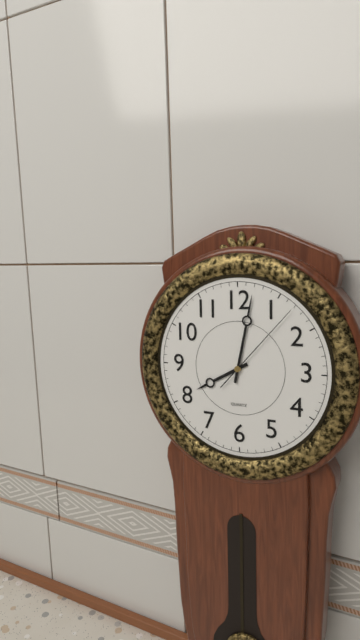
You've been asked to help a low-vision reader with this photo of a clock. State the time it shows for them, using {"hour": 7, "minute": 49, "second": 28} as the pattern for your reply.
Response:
{"hour": 8, "minute": 2, "second": 7}
